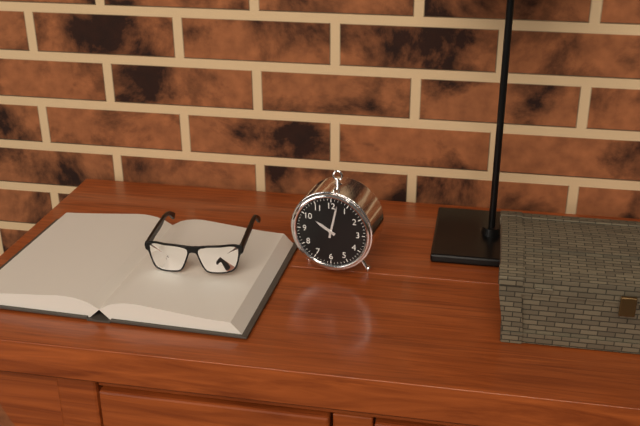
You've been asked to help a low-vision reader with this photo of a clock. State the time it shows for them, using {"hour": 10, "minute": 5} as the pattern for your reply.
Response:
{"hour": 10, "minute": 2}
